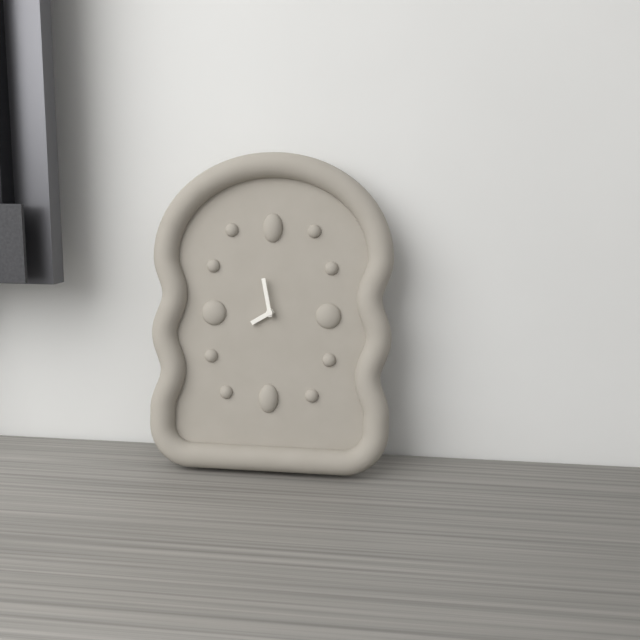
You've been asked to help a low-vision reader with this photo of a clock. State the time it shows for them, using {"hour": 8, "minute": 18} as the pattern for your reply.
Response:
{"hour": 7, "minute": 58}
